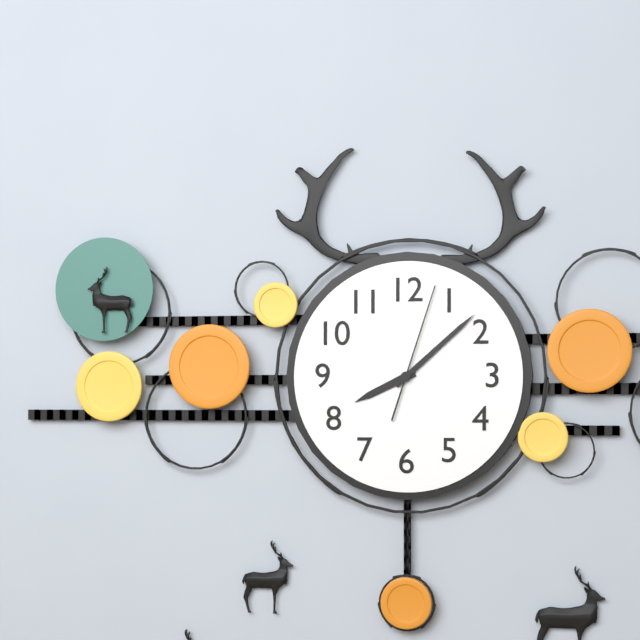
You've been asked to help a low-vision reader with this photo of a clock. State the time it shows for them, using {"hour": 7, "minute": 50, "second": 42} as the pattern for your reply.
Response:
{"hour": 8, "minute": 8, "second": 3}
